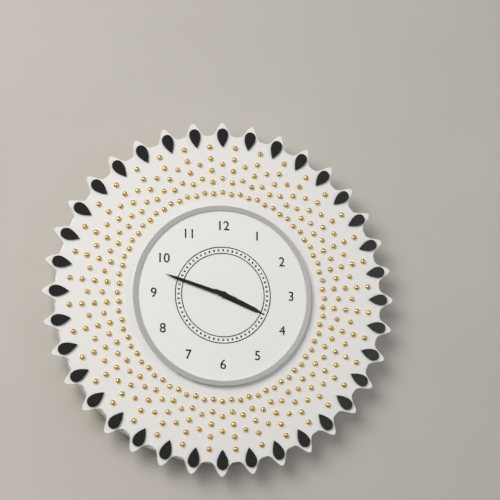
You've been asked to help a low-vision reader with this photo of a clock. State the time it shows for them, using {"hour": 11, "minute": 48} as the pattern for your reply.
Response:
{"hour": 3, "minute": 48}
